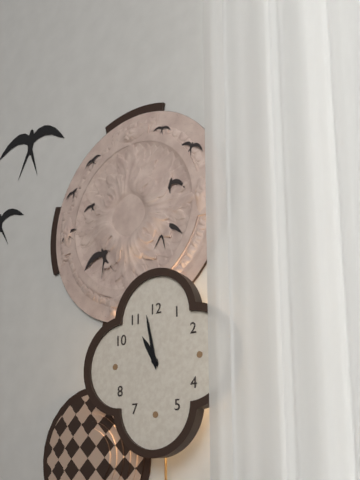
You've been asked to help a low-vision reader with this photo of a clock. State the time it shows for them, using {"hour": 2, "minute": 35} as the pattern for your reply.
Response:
{"hour": 10, "minute": 58}
